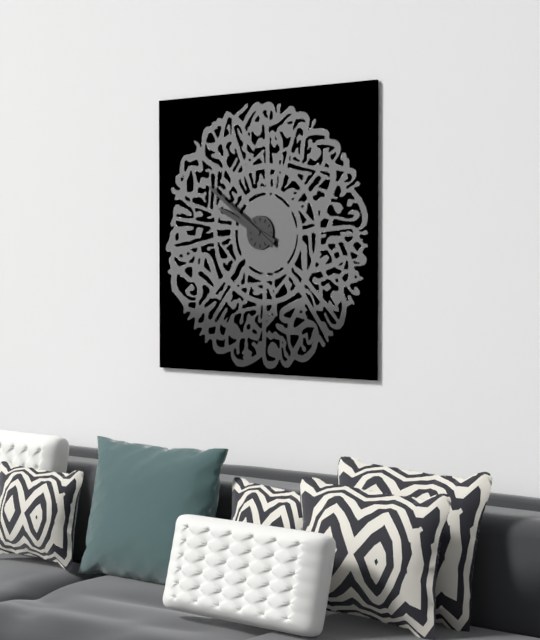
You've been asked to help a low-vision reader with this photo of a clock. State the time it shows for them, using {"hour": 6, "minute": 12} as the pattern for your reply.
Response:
{"hour": 9, "minute": 51}
